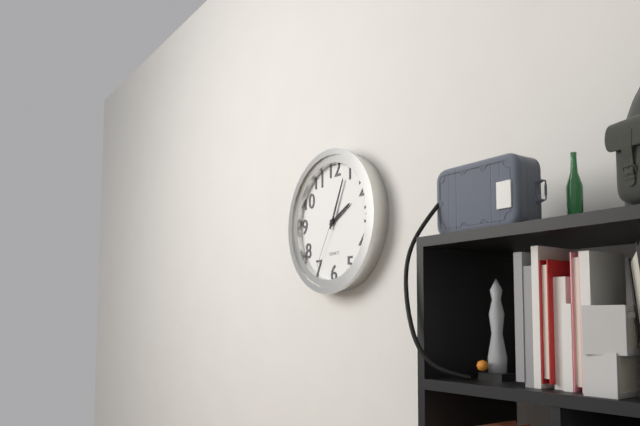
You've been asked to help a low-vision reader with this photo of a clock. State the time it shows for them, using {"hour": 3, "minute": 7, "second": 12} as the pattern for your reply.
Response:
{"hour": 2, "minute": 4, "second": 35}
